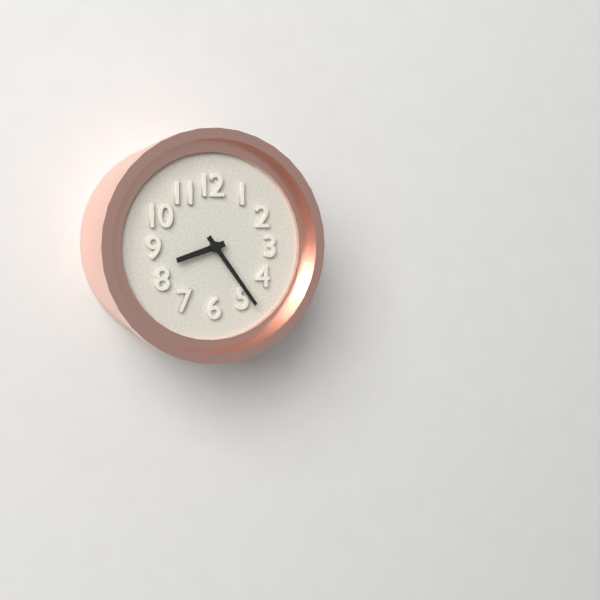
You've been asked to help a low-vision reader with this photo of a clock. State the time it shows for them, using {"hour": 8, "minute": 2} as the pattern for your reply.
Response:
{"hour": 8, "minute": 24}
